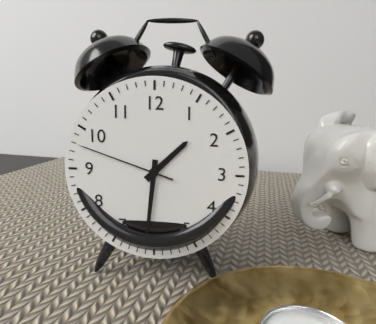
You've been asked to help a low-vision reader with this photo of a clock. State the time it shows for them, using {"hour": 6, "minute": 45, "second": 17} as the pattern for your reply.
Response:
{"hour": 1, "minute": 31, "second": 48}
